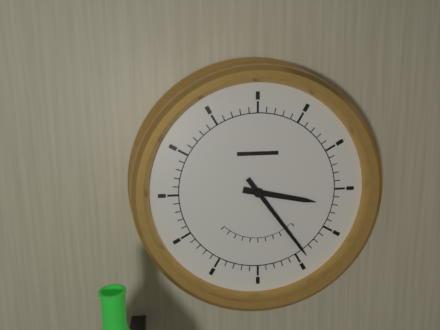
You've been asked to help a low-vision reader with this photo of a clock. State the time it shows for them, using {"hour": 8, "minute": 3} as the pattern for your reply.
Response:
{"hour": 3, "minute": 24}
